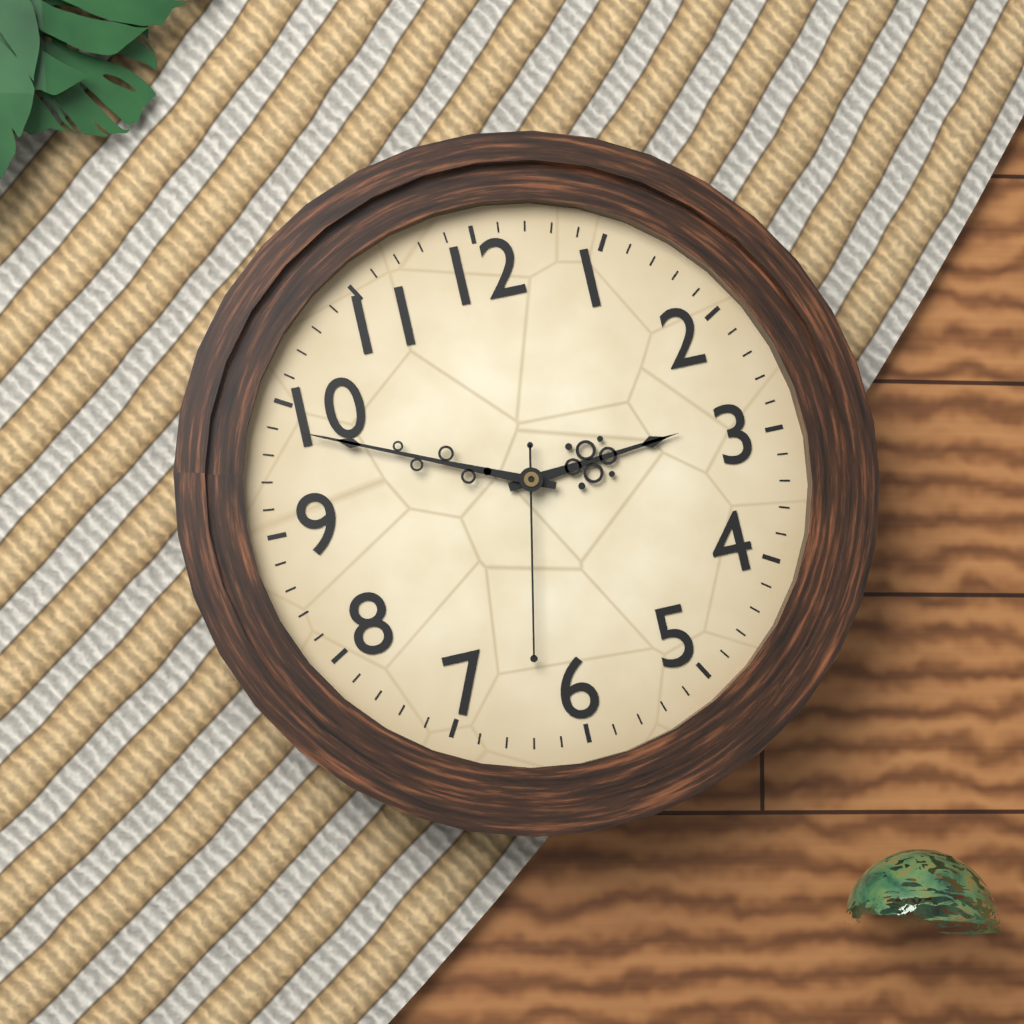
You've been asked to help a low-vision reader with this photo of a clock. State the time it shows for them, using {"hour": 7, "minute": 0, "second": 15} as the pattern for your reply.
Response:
{"hour": 2, "minute": 49, "second": 32}
